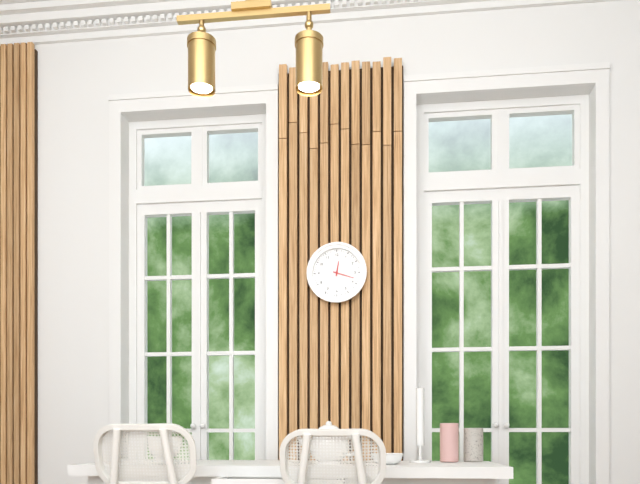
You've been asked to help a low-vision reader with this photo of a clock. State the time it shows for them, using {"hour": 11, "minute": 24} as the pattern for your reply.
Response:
{"hour": 12, "minute": 18}
